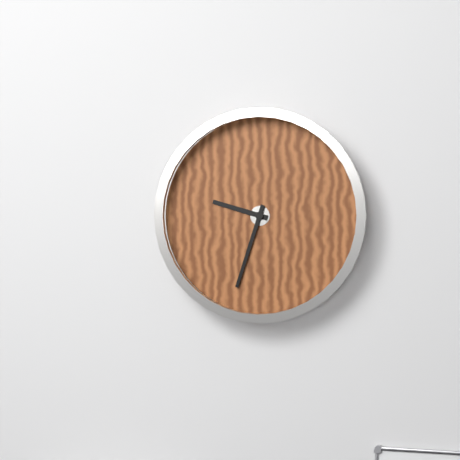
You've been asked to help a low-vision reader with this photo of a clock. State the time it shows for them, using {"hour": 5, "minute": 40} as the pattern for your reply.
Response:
{"hour": 9, "minute": 33}
